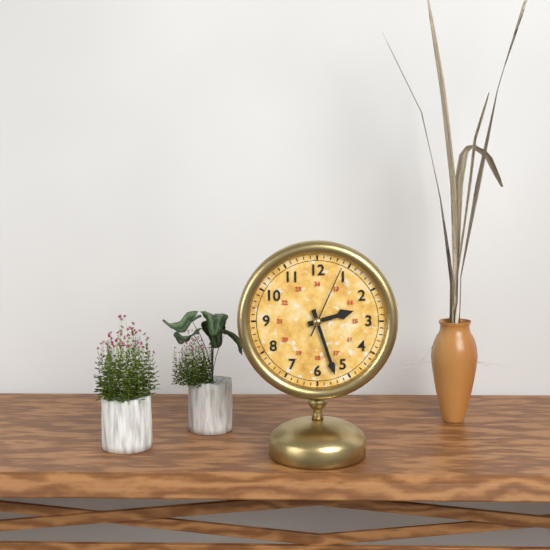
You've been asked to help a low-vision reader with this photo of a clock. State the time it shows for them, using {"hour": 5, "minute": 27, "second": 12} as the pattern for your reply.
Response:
{"hour": 2, "minute": 27, "second": 4}
